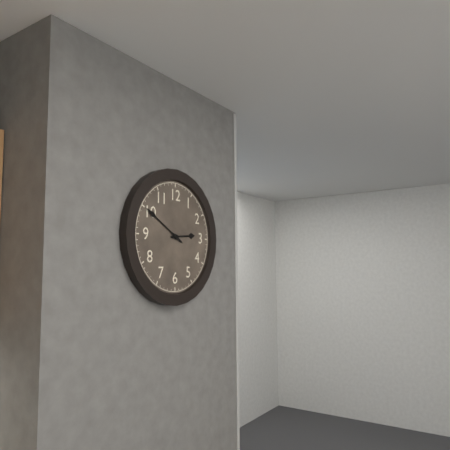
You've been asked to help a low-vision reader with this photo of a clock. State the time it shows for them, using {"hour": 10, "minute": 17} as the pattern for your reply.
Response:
{"hour": 2, "minute": 50}
